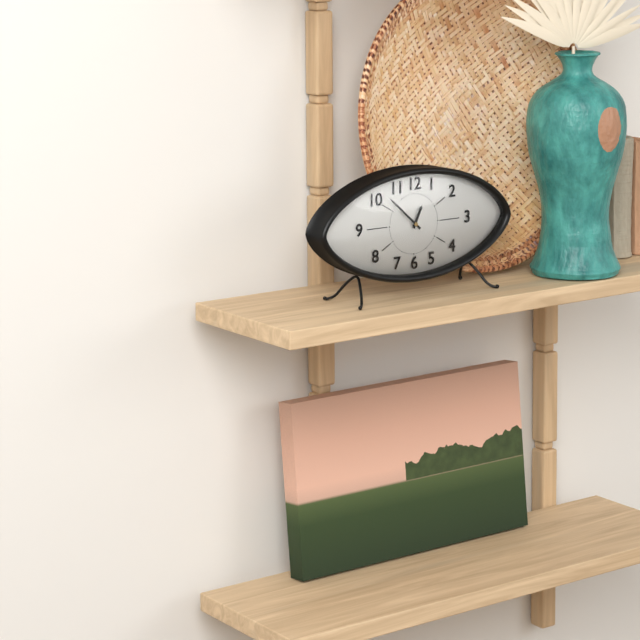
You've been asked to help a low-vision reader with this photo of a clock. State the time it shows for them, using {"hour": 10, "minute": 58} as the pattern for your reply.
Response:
{"hour": 12, "minute": 52}
